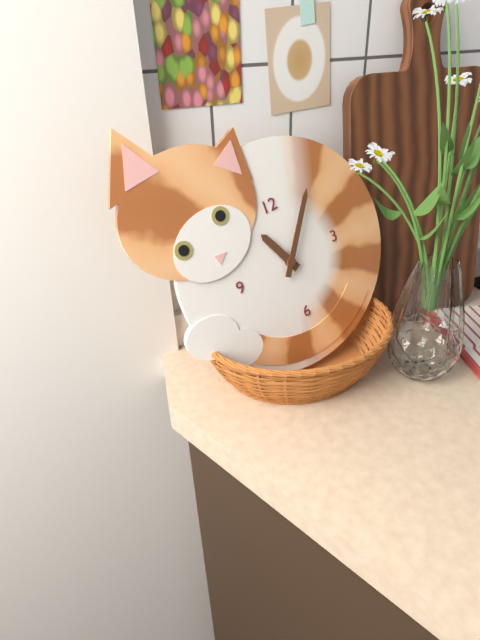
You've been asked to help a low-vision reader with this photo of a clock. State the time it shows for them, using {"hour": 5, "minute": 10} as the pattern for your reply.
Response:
{"hour": 11, "minute": 6}
